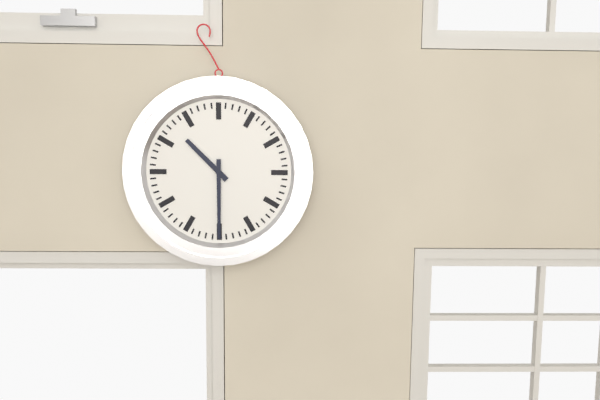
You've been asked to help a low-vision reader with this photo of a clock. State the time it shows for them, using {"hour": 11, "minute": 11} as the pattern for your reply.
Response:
{"hour": 10, "minute": 30}
